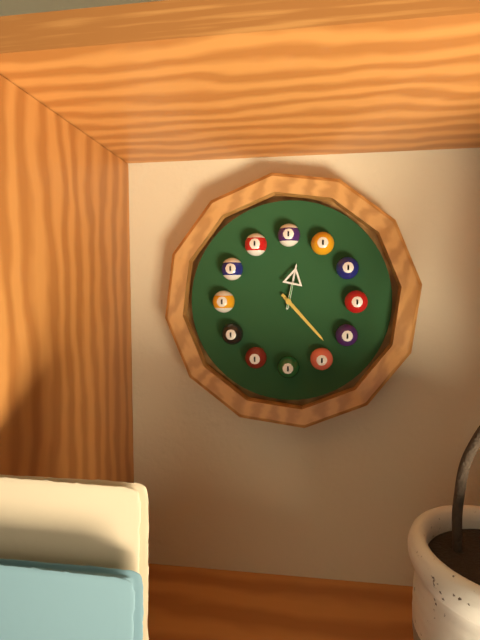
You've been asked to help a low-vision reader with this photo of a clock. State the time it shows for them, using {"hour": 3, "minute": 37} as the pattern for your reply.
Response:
{"hour": 12, "minute": 23}
